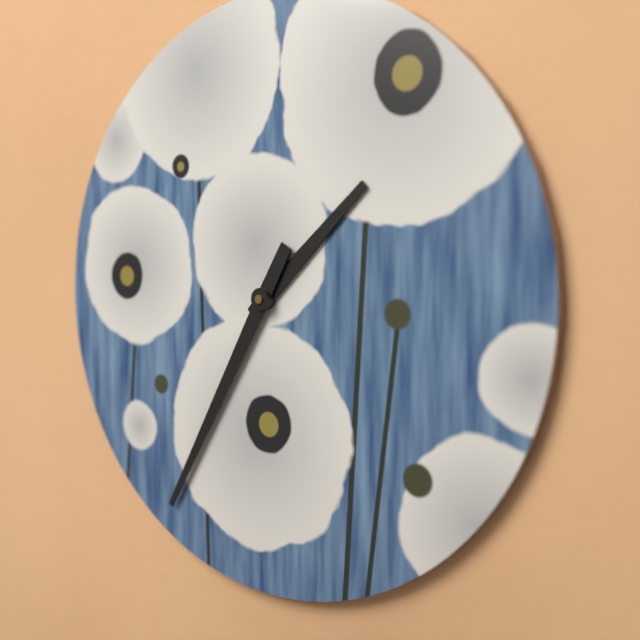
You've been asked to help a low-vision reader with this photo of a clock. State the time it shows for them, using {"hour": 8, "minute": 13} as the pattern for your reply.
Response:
{"hour": 1, "minute": 35}
